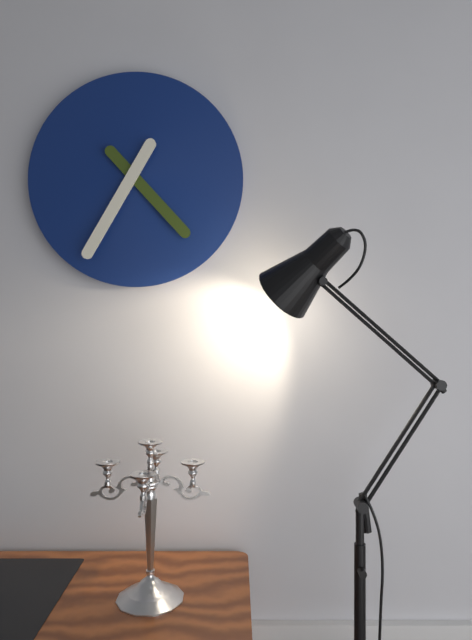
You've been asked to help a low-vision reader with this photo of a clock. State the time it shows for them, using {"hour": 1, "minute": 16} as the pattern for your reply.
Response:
{"hour": 4, "minute": 35}
